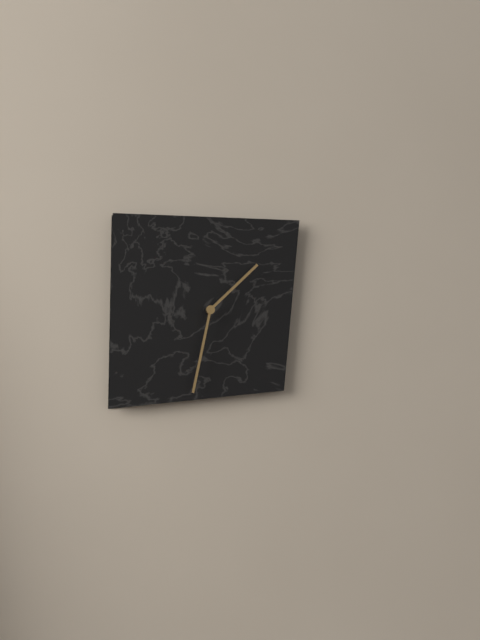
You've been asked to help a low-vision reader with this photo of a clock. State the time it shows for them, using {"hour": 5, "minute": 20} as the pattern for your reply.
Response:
{"hour": 1, "minute": 32}
